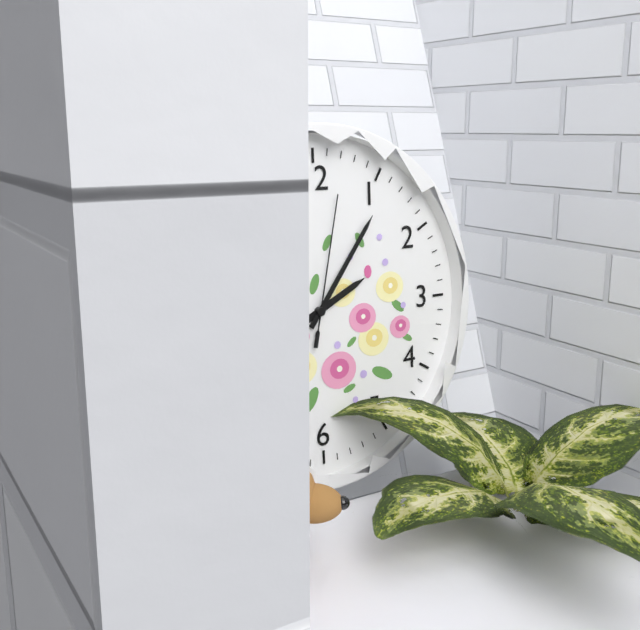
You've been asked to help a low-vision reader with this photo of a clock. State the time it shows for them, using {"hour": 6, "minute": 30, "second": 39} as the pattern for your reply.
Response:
{"hour": 2, "minute": 6, "second": 2}
